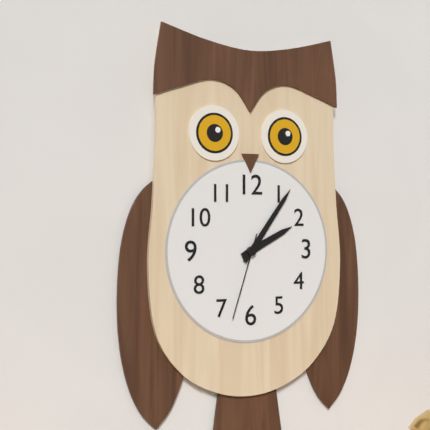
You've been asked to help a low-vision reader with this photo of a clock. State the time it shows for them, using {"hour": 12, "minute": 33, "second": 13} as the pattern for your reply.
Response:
{"hour": 2, "minute": 6, "second": 33}
